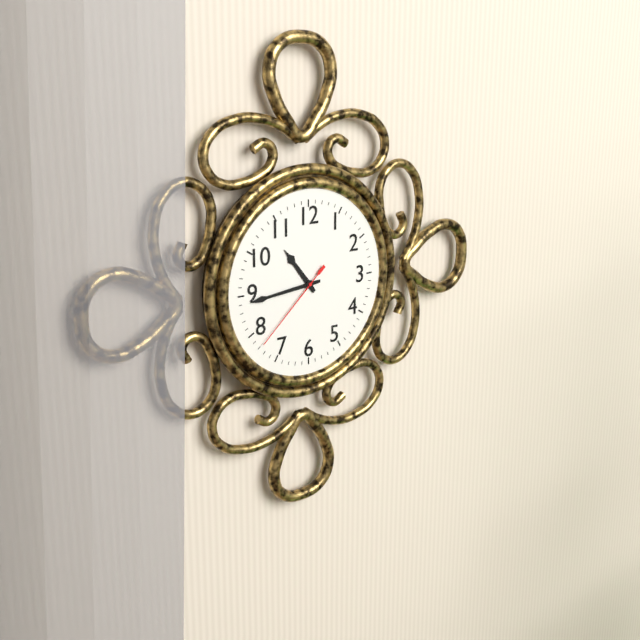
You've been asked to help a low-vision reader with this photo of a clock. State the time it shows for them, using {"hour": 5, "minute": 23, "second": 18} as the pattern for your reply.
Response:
{"hour": 10, "minute": 44, "second": 38}
